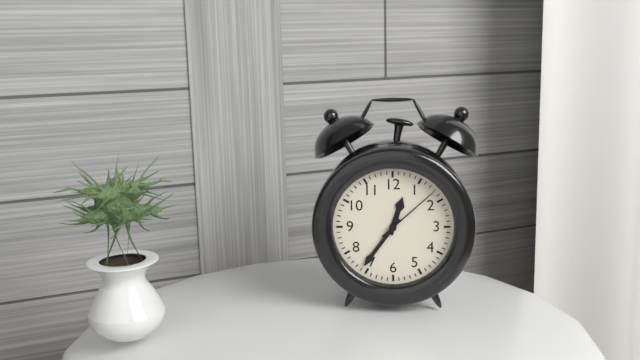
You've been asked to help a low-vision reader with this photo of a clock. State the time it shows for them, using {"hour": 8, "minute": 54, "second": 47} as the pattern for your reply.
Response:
{"hour": 12, "minute": 36, "second": 8}
